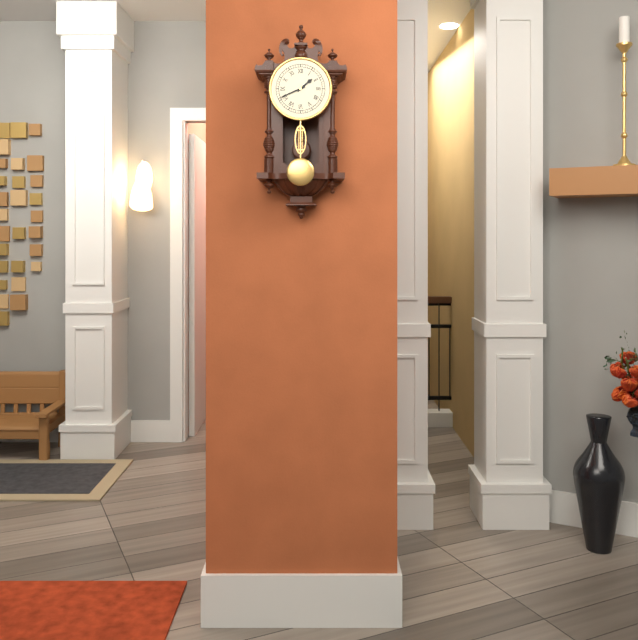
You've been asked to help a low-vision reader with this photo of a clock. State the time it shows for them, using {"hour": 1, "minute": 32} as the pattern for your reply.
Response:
{"hour": 1, "minute": 41}
